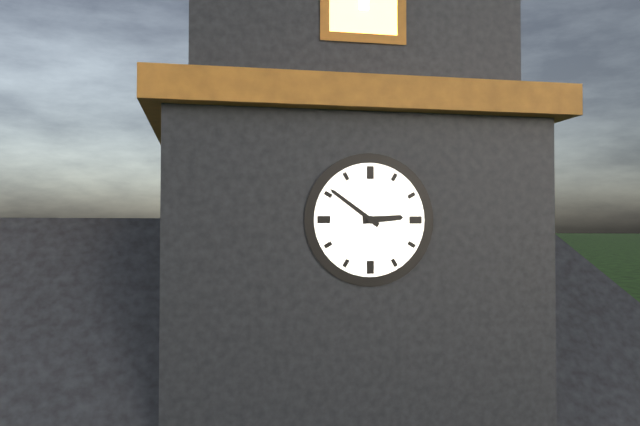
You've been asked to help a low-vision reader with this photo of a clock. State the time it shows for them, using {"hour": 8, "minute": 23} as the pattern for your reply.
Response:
{"hour": 2, "minute": 51}
